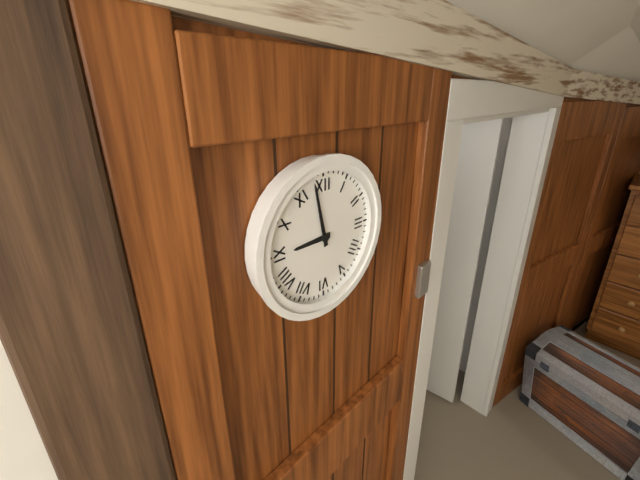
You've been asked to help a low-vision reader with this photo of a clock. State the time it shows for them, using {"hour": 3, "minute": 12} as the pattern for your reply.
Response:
{"hour": 8, "minute": 58}
